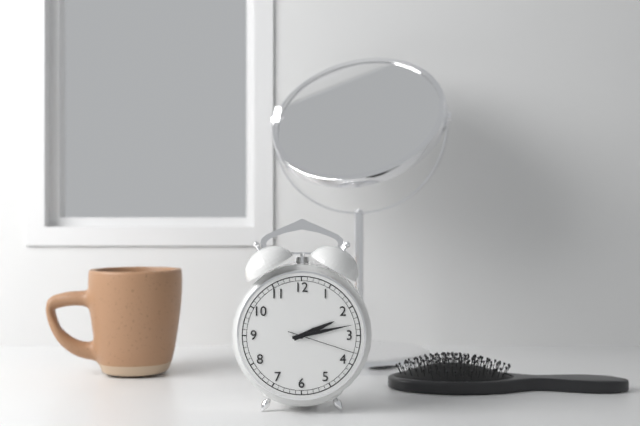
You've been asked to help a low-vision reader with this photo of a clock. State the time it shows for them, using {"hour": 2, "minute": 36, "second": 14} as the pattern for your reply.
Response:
{"hour": 2, "minute": 13, "second": 18}
